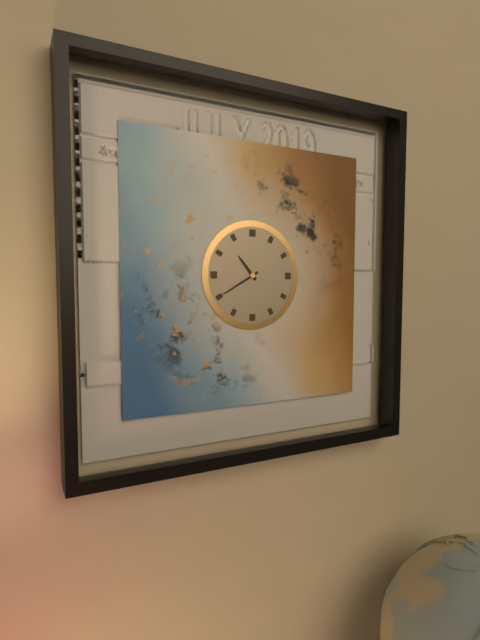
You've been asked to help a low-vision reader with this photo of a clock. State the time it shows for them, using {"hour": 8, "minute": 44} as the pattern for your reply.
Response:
{"hour": 10, "minute": 40}
